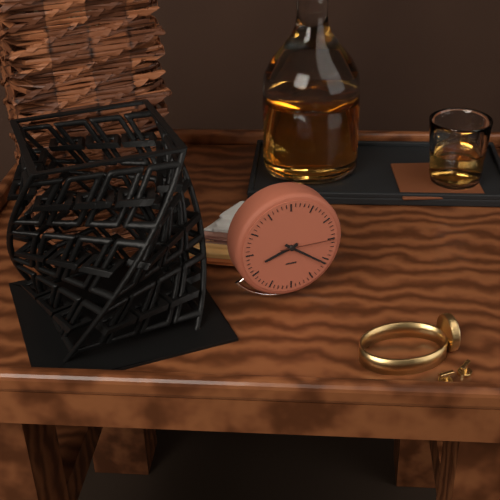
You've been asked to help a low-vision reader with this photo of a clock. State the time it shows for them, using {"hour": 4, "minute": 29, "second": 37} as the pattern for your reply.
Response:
{"hour": 8, "minute": 21, "second": 15}
